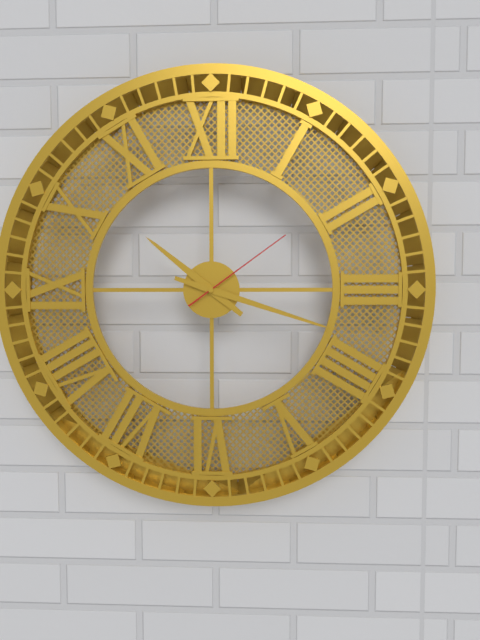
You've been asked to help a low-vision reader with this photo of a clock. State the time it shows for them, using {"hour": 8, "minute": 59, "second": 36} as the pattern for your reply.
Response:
{"hour": 10, "minute": 18, "second": 9}
